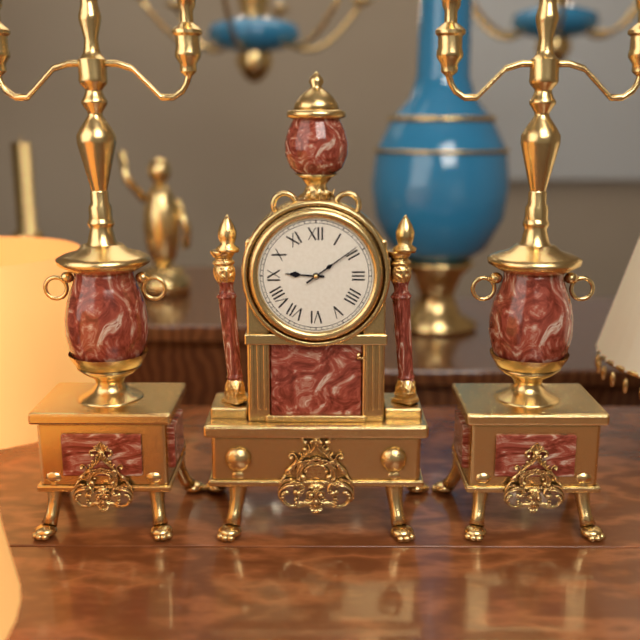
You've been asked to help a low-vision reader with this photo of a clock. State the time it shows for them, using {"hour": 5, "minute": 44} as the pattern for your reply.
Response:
{"hour": 9, "minute": 9}
